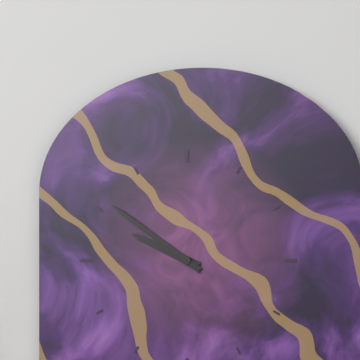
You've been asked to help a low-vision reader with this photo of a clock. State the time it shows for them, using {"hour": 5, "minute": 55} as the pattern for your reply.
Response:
{"hour": 9, "minute": 51}
